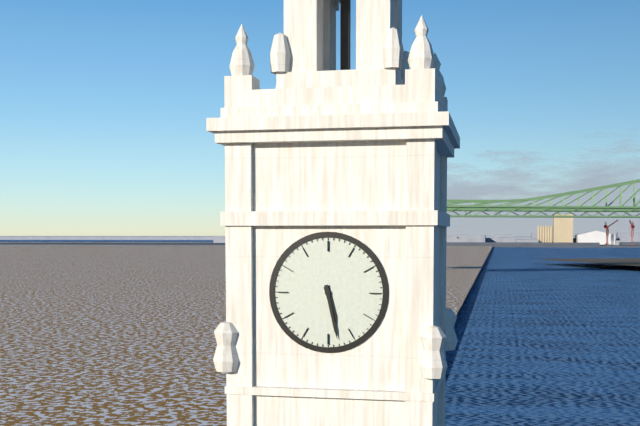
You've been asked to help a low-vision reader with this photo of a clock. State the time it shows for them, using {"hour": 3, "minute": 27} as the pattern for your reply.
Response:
{"hour": 5, "minute": 28}
